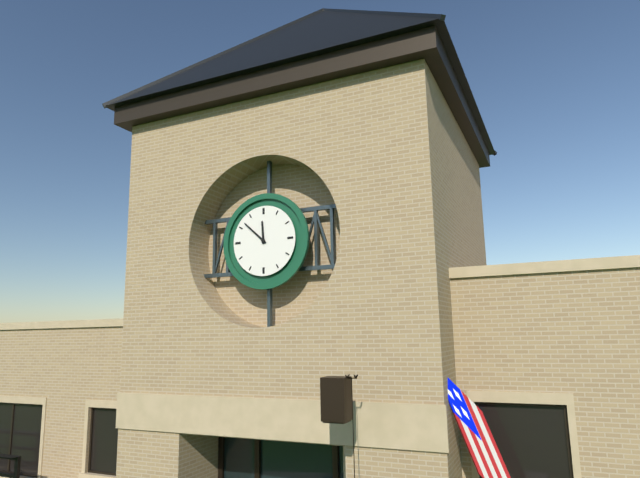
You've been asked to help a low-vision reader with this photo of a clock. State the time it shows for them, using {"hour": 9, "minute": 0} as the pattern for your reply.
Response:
{"hour": 11, "minute": 52}
